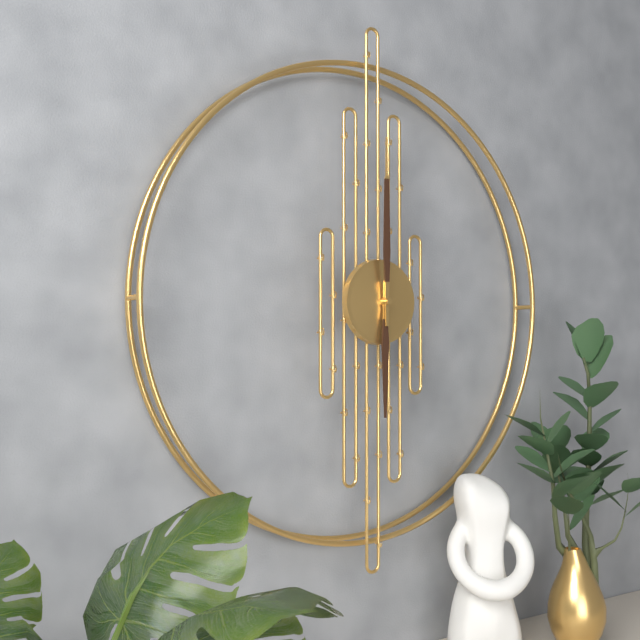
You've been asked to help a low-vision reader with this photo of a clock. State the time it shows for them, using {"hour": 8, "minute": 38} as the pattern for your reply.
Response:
{"hour": 6, "minute": 0}
